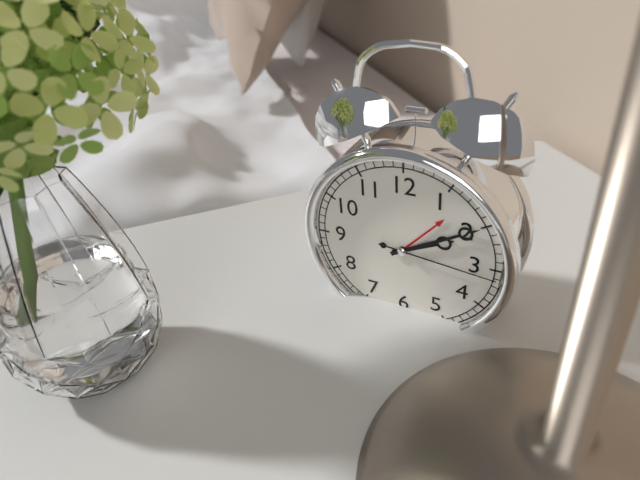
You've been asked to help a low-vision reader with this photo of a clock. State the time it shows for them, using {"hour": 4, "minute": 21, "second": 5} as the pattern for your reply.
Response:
{"hour": 2, "minute": 10, "second": 16}
